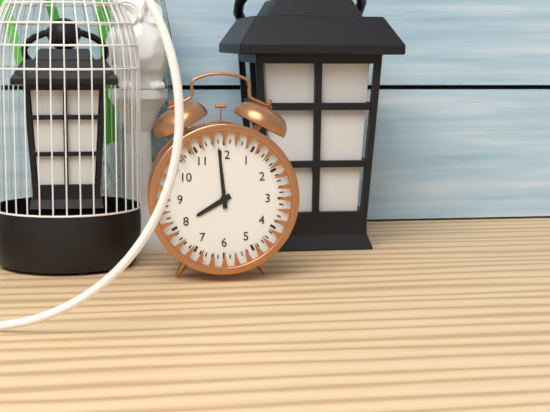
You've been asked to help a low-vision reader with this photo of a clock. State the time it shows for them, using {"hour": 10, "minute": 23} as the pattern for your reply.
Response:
{"hour": 7, "minute": 59}
